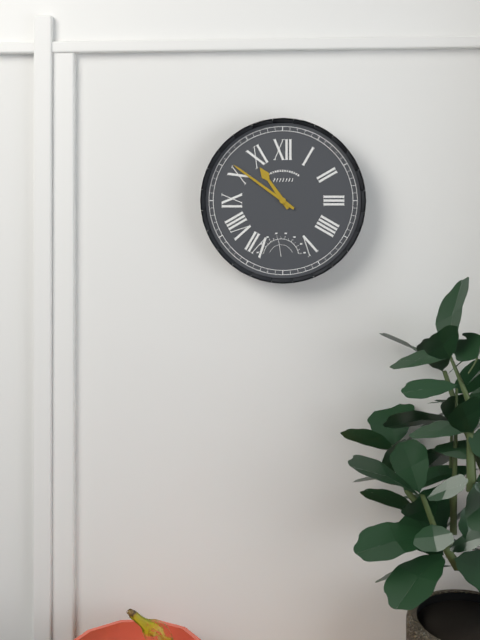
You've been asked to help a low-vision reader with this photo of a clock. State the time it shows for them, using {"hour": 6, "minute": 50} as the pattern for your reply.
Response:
{"hour": 10, "minute": 51}
